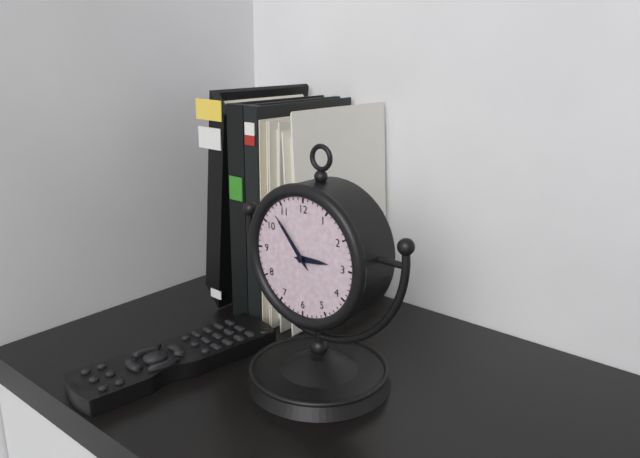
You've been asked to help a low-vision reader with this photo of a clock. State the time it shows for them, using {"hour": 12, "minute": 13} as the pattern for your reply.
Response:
{"hour": 2, "minute": 53}
